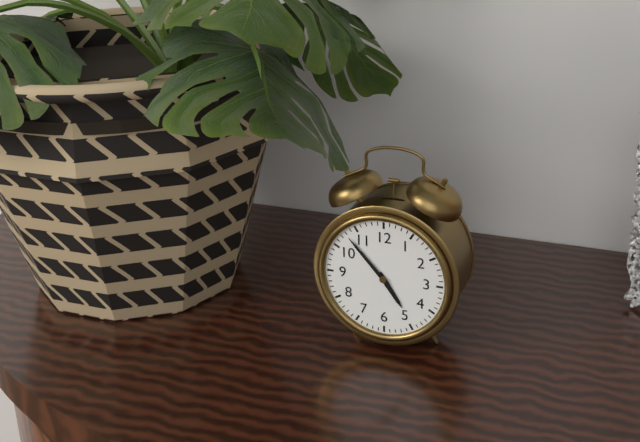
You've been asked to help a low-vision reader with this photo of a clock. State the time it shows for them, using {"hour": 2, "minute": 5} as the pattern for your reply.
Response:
{"hour": 4, "minute": 53}
